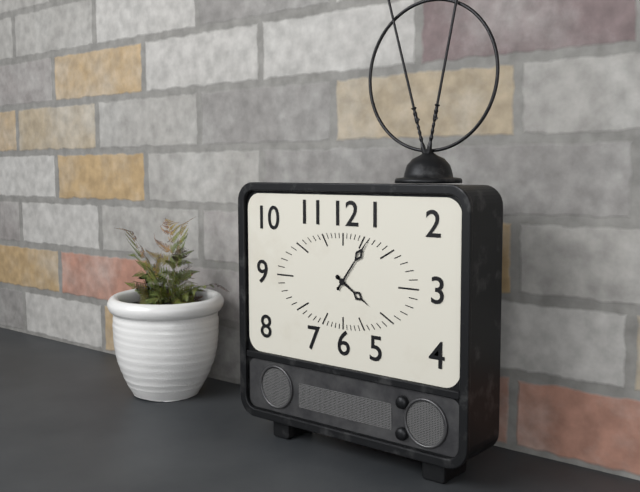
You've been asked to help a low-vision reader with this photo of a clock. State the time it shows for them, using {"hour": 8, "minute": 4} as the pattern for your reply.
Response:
{"hour": 4, "minute": 6}
